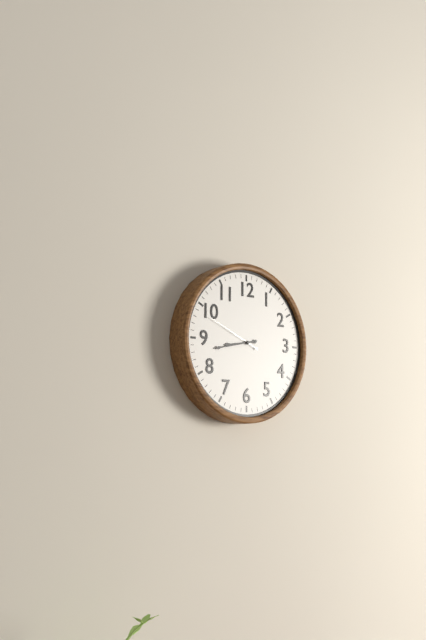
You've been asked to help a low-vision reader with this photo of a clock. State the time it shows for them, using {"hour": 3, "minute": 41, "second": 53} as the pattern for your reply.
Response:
{"hour": 8, "minute": 43, "second": 49}
